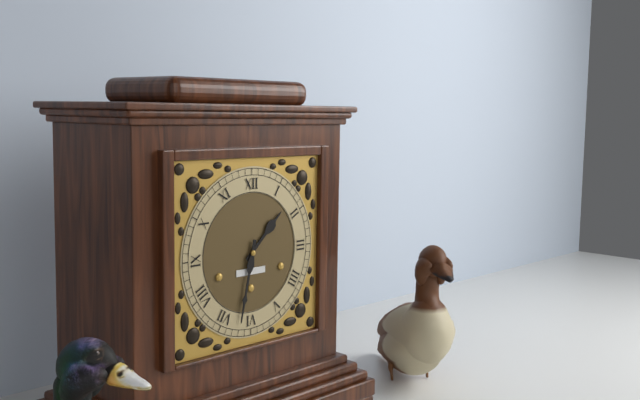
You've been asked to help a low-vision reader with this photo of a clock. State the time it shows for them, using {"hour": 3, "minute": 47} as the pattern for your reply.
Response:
{"hour": 1, "minute": 32}
